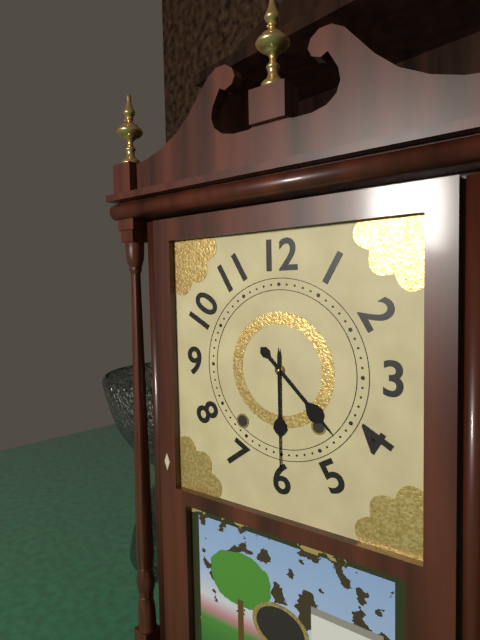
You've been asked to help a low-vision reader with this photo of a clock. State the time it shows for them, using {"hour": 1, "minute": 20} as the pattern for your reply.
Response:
{"hour": 4, "minute": 30}
